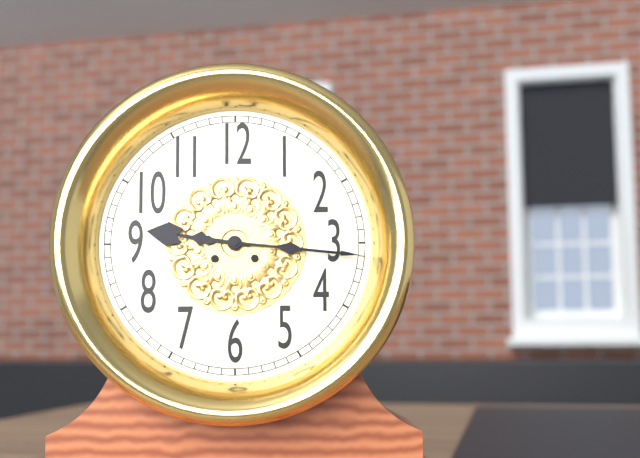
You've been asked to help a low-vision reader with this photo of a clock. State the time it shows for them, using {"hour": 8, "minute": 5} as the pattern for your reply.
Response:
{"hour": 9, "minute": 16}
